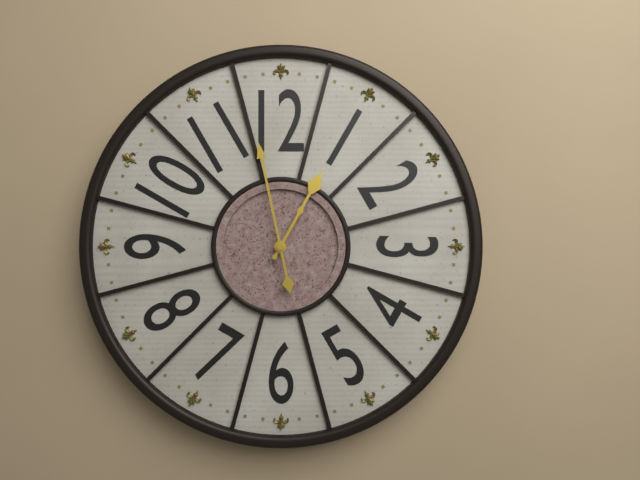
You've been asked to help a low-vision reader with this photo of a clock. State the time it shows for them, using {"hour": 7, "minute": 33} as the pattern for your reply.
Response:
{"hour": 12, "minute": 58}
